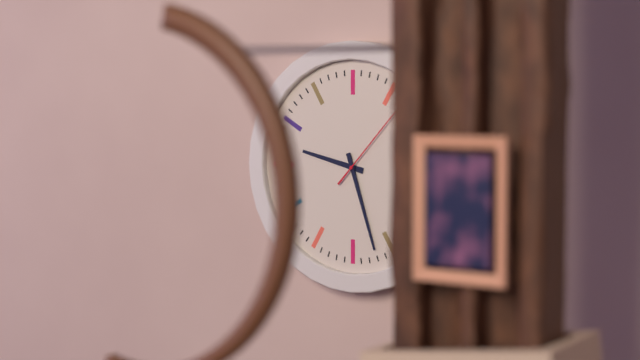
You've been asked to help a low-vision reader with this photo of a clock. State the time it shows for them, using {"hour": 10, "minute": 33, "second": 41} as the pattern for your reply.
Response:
{"hour": 9, "minute": 27, "second": 7}
